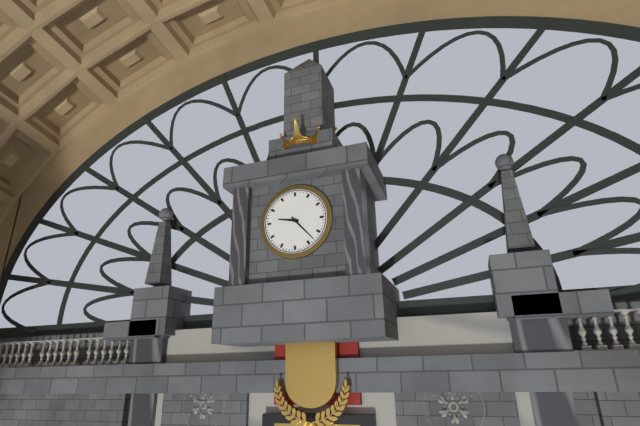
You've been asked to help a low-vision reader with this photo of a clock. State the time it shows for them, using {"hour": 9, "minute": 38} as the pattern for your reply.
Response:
{"hour": 9, "minute": 23}
